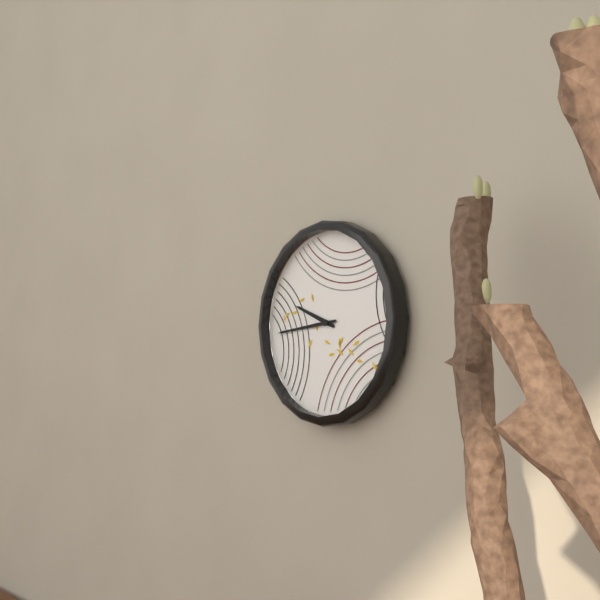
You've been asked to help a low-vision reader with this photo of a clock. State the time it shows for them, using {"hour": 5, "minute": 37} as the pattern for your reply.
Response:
{"hour": 9, "minute": 44}
